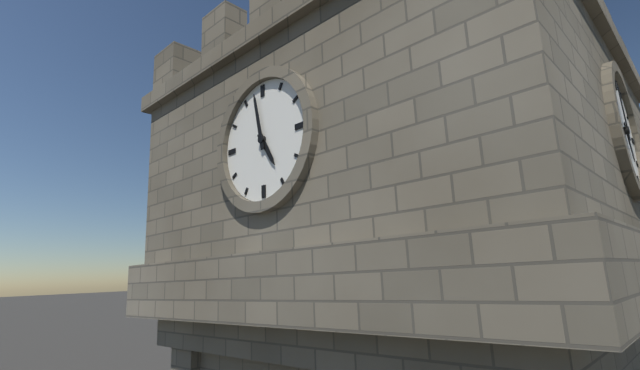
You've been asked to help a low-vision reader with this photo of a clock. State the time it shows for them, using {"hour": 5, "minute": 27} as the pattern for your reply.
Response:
{"hour": 4, "minute": 58}
